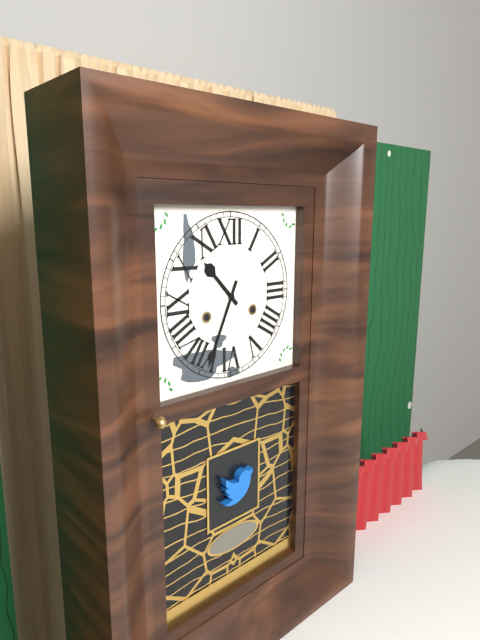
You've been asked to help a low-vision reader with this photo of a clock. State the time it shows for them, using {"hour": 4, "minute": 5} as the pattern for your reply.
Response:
{"hour": 10, "minute": 34}
